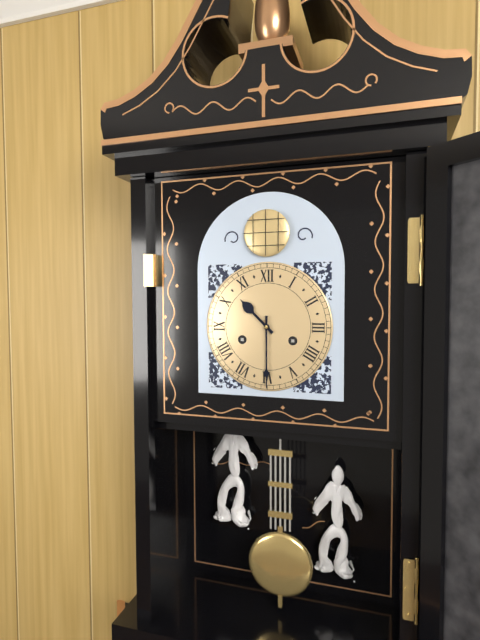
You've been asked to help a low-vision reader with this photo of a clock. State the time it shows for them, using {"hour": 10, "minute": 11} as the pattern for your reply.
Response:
{"hour": 10, "minute": 30}
